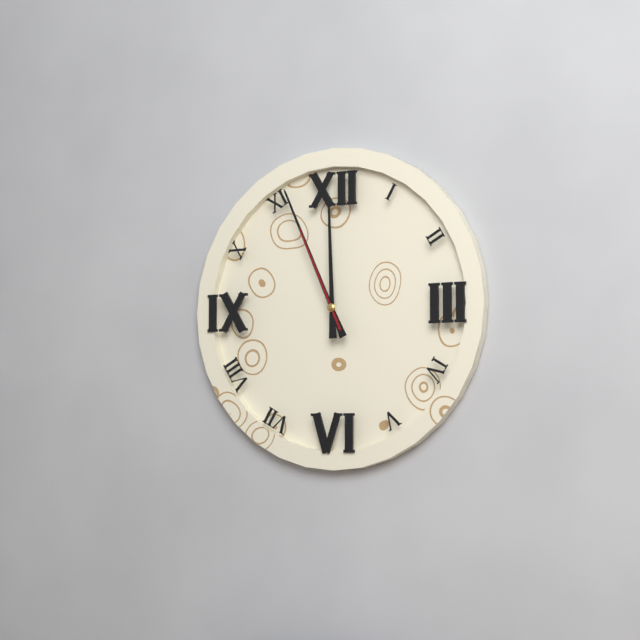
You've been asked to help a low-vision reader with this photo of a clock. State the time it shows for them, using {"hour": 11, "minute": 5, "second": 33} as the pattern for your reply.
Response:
{"hour": 11, "minute": 56, "second": 56}
